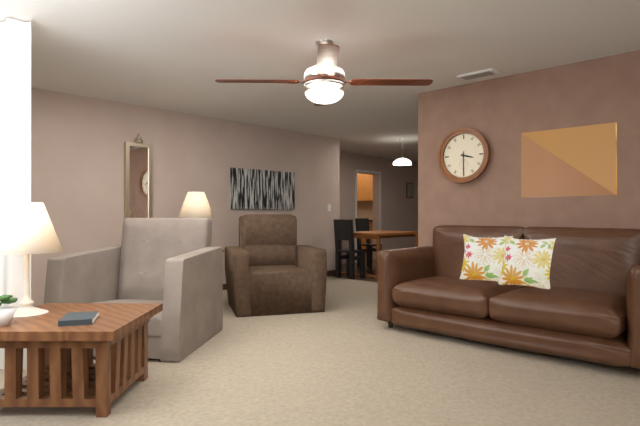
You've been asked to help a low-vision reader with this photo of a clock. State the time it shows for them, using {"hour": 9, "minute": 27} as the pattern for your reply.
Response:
{"hour": 3, "minute": 30}
